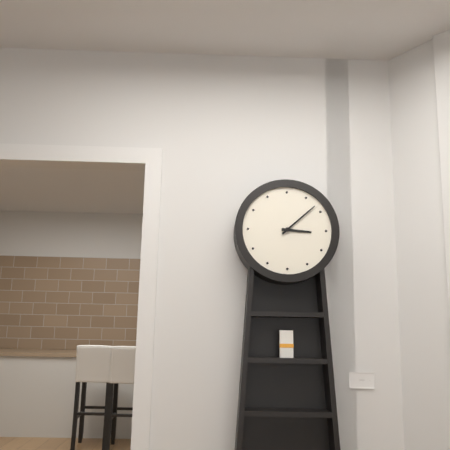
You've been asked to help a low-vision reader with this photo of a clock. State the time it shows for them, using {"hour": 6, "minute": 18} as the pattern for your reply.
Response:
{"hour": 3, "minute": 8}
